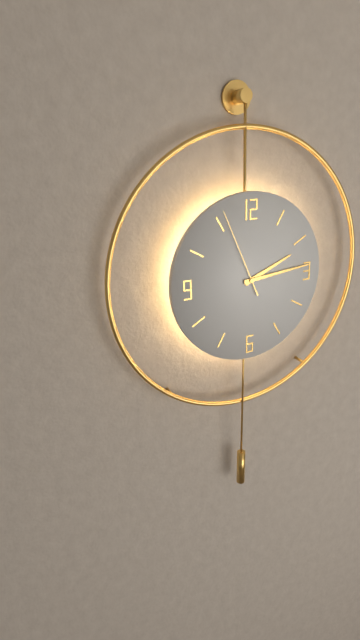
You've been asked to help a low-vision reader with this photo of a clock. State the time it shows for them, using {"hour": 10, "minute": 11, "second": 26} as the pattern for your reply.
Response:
{"hour": 2, "minute": 14, "second": 56}
